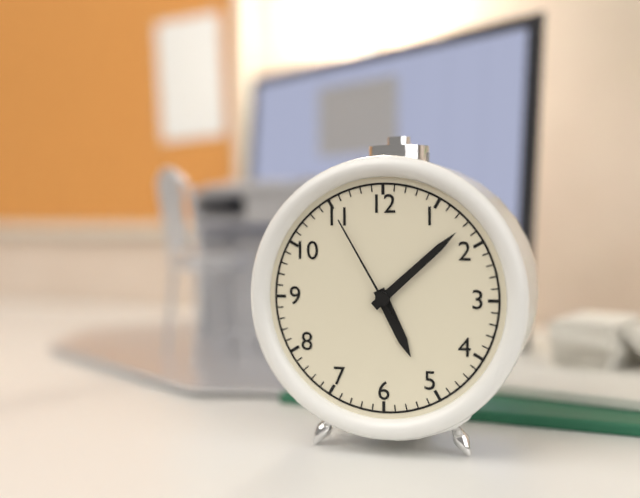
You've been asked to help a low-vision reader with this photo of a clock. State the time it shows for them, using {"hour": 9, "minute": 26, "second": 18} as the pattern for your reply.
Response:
{"hour": 5, "minute": 8, "second": 55}
